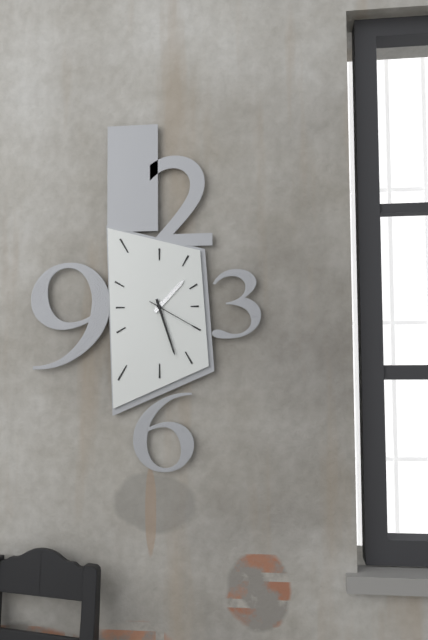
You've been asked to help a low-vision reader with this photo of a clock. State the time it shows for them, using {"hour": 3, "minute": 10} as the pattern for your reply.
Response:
{"hour": 1, "minute": 27}
